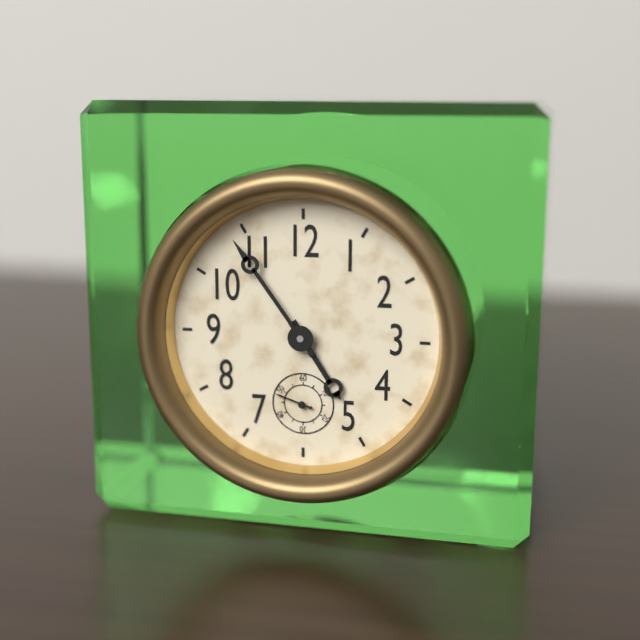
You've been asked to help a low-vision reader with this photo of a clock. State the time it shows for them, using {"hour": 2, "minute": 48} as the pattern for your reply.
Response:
{"hour": 4, "minute": 54}
